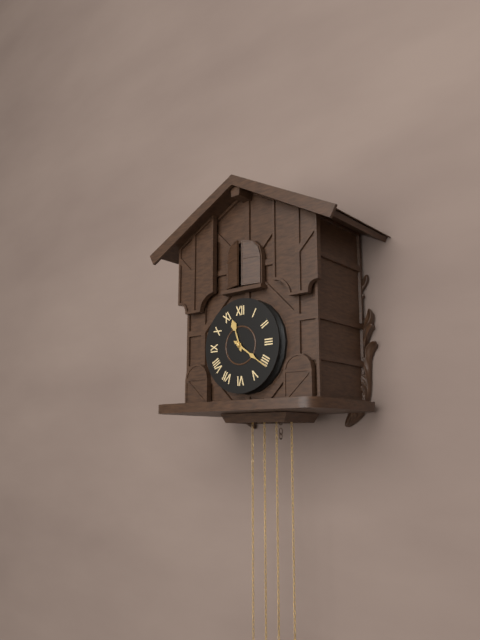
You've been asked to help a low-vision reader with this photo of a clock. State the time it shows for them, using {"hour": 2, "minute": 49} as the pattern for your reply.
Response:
{"hour": 11, "minute": 21}
